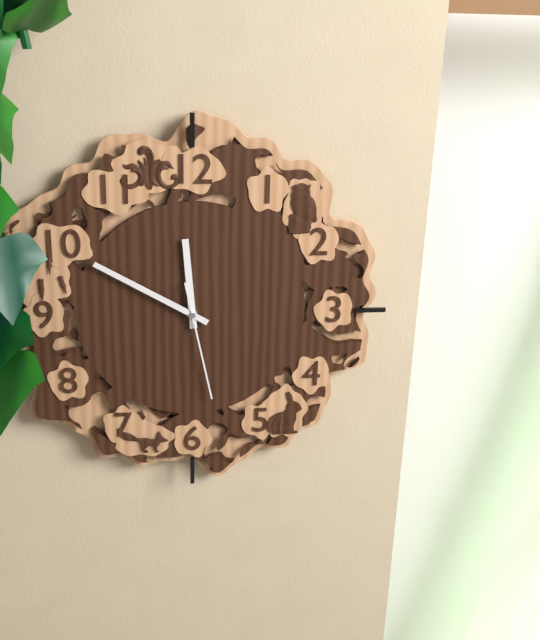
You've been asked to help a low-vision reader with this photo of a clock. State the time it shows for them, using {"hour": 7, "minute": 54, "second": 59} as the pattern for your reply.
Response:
{"hour": 11, "minute": 50, "second": 28}
